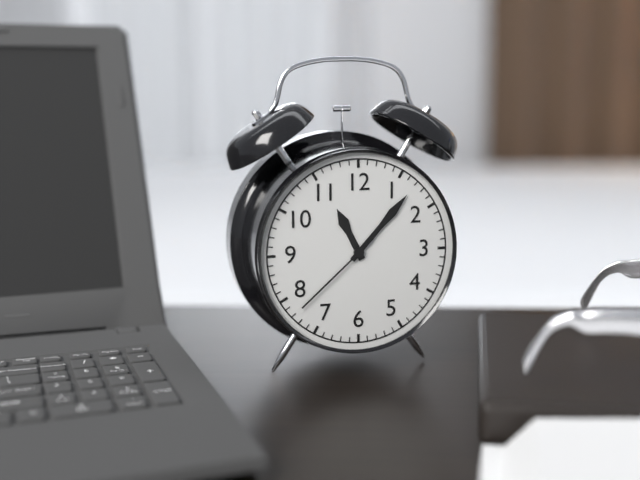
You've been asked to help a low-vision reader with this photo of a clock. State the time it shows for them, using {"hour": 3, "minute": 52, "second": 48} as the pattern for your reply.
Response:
{"hour": 11, "minute": 7, "second": 38}
